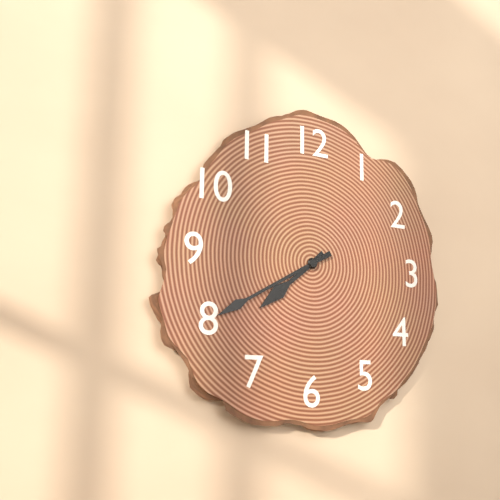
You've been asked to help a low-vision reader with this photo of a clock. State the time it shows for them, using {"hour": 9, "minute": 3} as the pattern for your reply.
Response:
{"hour": 7, "minute": 40}
